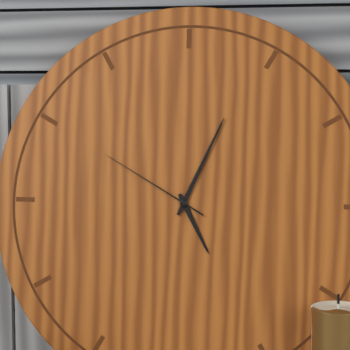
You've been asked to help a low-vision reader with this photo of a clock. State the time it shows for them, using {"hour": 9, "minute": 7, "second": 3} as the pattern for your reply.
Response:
{"hour": 5, "minute": 4, "second": 50}
